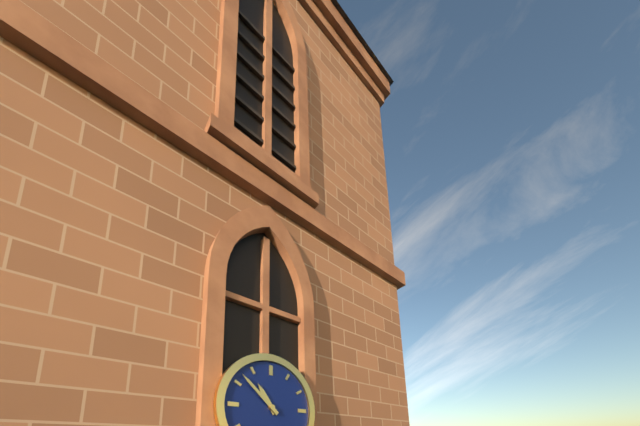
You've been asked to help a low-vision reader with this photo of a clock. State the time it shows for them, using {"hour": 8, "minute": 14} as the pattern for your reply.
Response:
{"hour": 10, "minute": 52}
